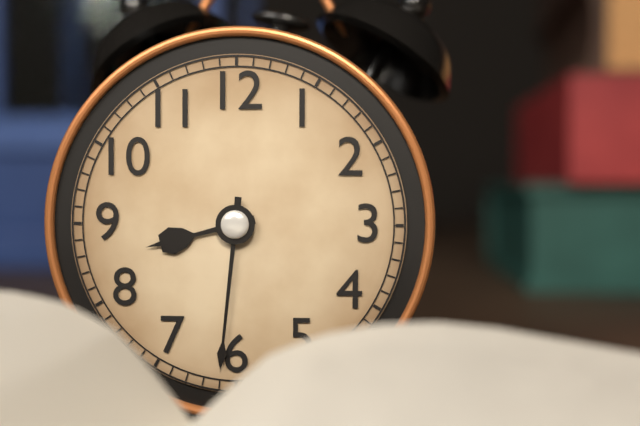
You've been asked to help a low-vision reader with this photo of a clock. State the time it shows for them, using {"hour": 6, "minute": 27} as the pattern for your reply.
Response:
{"hour": 8, "minute": 31}
